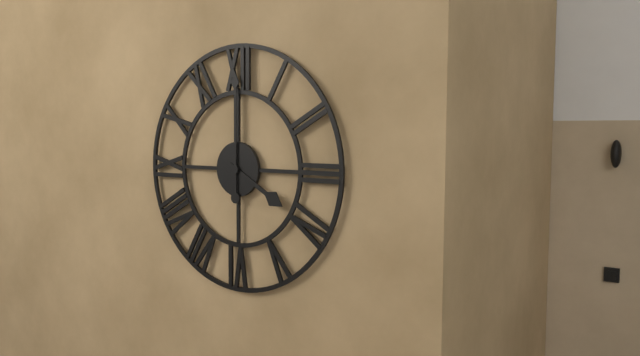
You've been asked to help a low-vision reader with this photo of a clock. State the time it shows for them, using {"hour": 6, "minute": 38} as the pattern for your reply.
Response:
{"hour": 4, "minute": 0}
